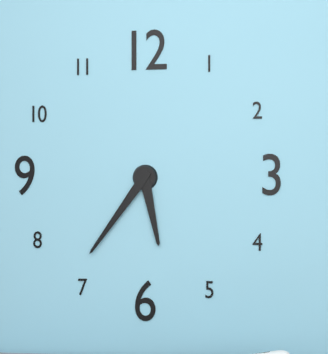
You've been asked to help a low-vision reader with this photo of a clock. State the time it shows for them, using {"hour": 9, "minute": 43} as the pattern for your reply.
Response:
{"hour": 5, "minute": 36}
